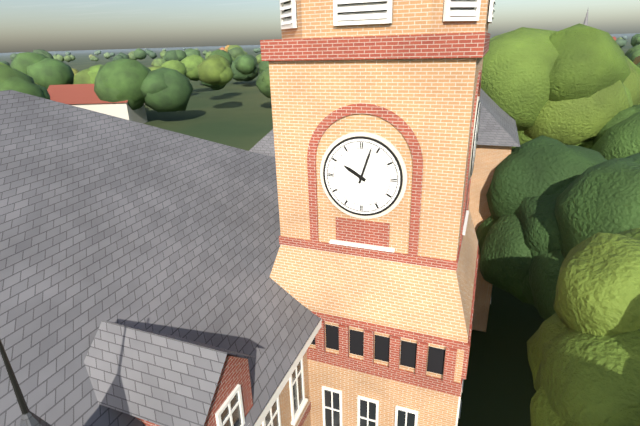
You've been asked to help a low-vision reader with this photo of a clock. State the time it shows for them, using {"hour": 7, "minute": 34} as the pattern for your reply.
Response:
{"hour": 10, "minute": 3}
